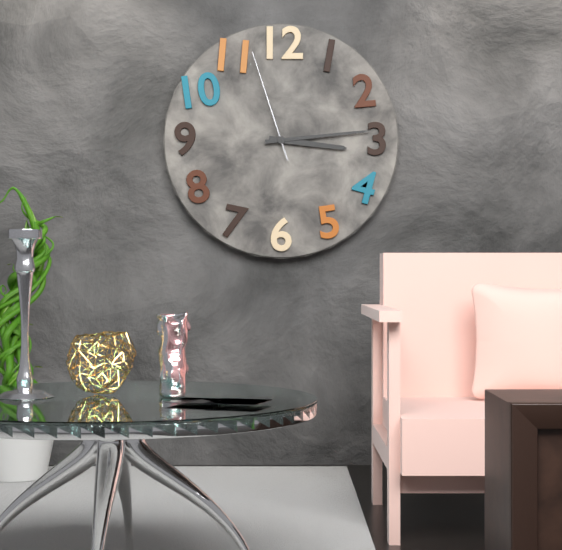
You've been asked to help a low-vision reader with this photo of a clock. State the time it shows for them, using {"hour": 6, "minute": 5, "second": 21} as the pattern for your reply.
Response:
{"hour": 3, "minute": 14, "second": 57}
